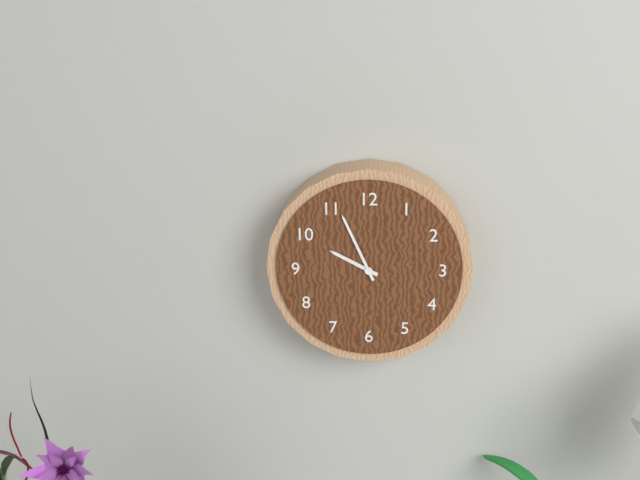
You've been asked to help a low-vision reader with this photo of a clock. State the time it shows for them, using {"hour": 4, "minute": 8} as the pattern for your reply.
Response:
{"hour": 9, "minute": 56}
